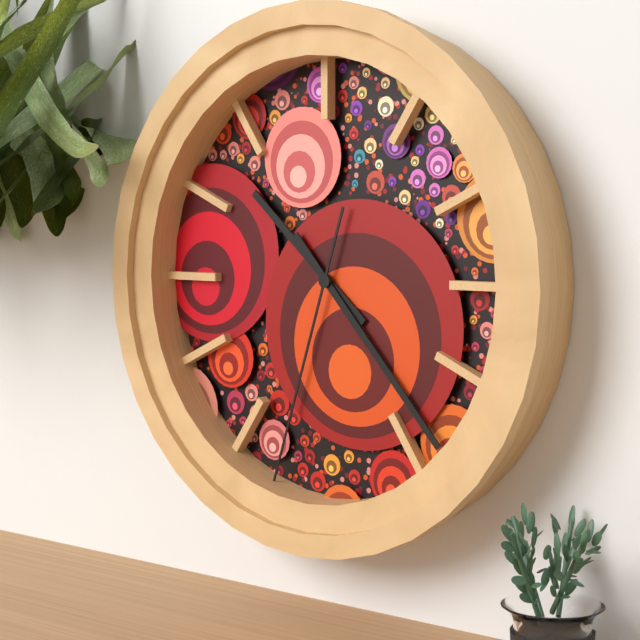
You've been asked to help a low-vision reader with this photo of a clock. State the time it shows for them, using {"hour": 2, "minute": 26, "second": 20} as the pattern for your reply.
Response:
{"hour": 10, "minute": 23, "second": 33}
